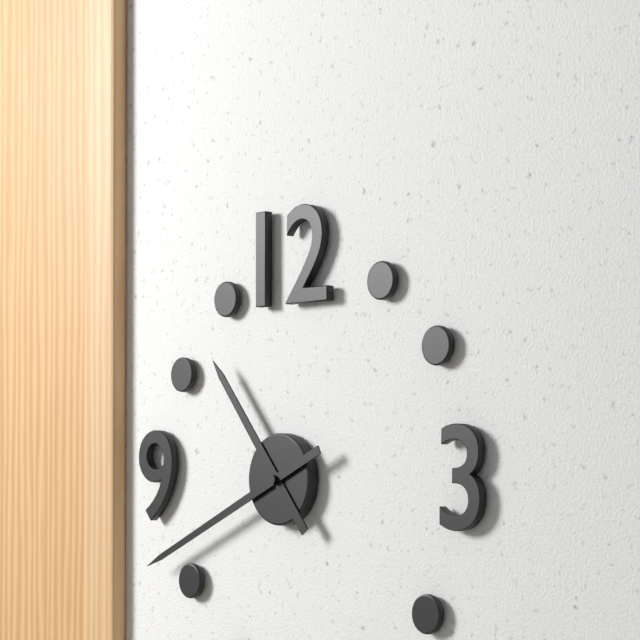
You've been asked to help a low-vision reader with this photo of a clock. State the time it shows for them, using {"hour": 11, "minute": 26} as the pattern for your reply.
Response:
{"hour": 10, "minute": 41}
